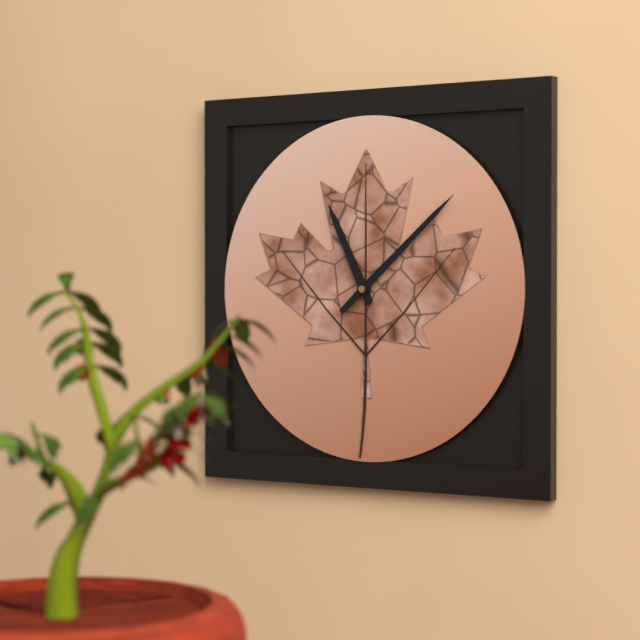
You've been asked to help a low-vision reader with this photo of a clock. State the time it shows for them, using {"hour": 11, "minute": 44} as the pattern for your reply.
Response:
{"hour": 11, "minute": 8}
